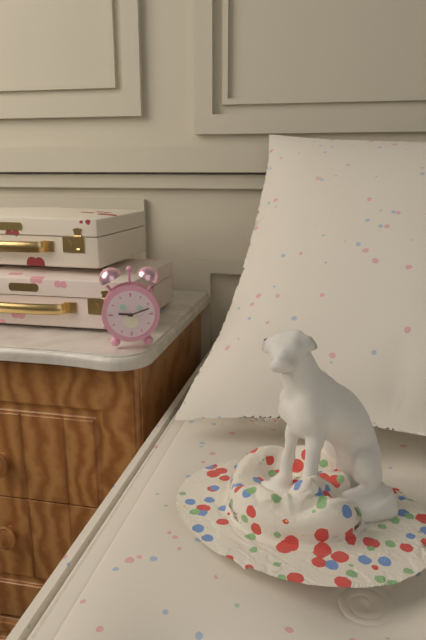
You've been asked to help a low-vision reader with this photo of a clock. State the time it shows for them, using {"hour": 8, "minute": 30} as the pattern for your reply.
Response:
{"hour": 9, "minute": 12}
